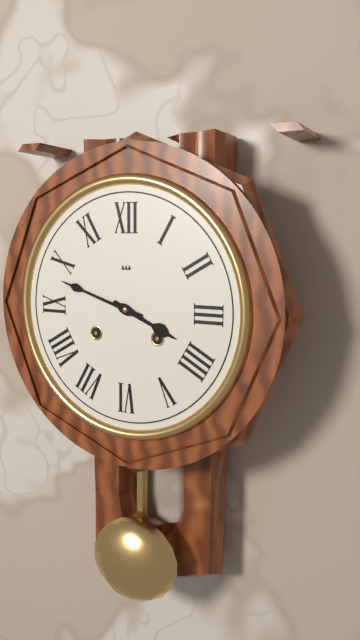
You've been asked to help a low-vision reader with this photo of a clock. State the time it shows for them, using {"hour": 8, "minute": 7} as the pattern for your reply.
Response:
{"hour": 3, "minute": 48}
